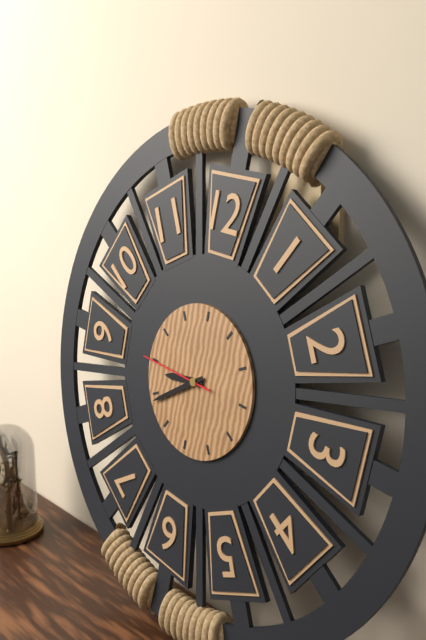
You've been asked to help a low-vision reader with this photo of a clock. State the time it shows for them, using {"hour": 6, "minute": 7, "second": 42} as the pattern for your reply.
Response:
{"hour": 8, "minute": 39, "second": 45}
